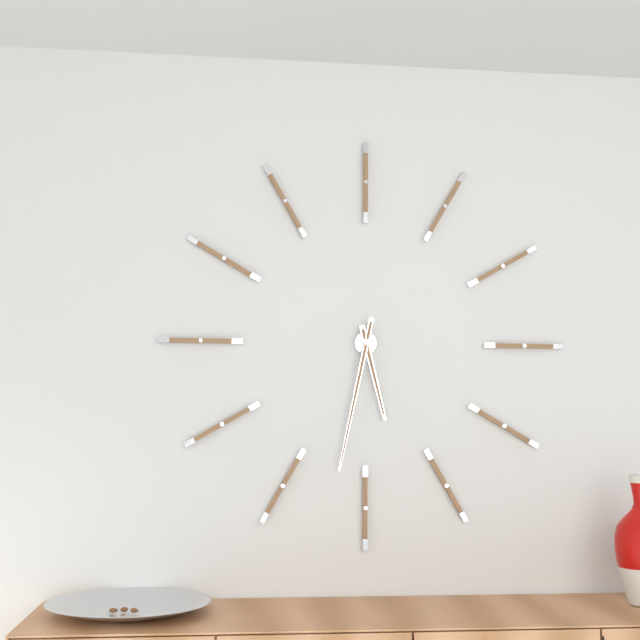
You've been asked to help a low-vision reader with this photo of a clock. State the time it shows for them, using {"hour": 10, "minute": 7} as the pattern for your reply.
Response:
{"hour": 5, "minute": 32}
